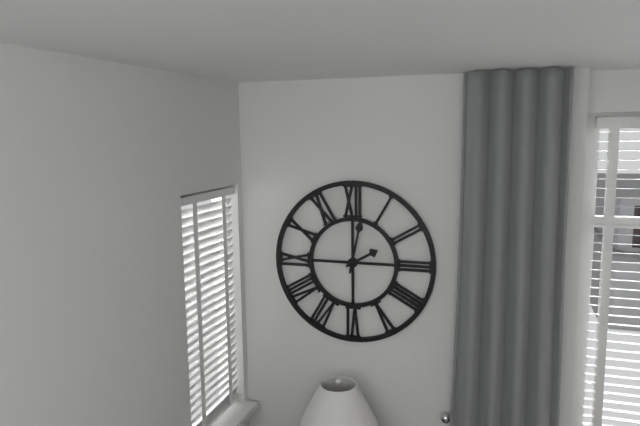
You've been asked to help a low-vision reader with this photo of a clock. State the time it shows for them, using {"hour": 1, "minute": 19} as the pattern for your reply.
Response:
{"hour": 2, "minute": 2}
